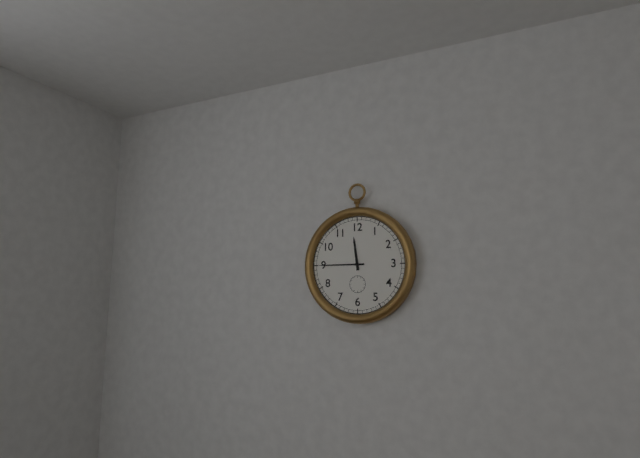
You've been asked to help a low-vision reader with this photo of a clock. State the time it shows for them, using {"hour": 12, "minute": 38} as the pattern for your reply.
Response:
{"hour": 11, "minute": 45}
